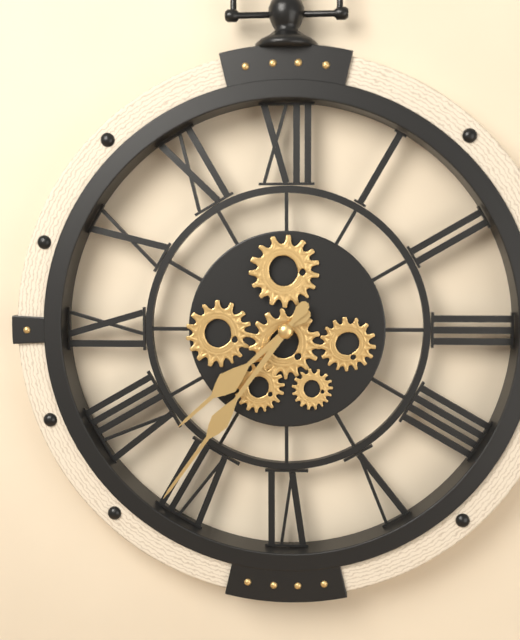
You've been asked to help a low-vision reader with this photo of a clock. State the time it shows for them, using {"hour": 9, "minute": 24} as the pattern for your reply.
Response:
{"hour": 7, "minute": 36}
